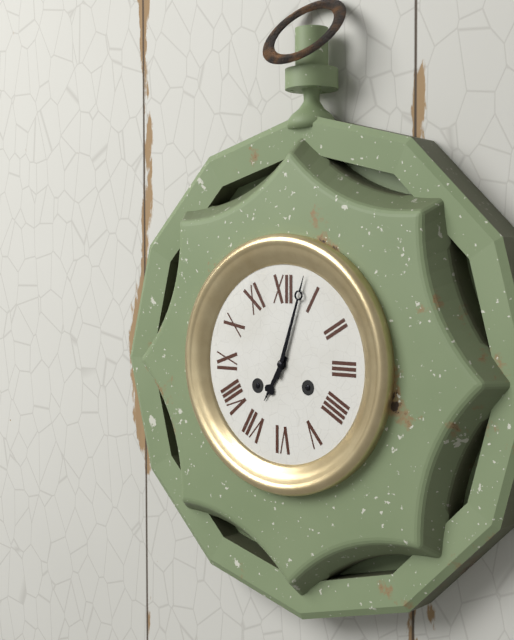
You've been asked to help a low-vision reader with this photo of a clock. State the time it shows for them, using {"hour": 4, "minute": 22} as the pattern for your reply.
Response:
{"hour": 7, "minute": 3}
